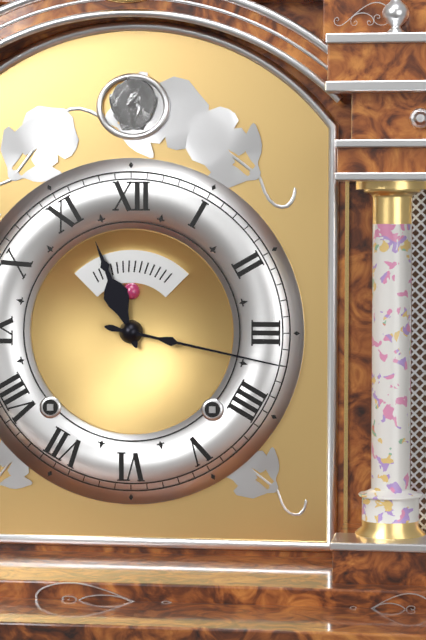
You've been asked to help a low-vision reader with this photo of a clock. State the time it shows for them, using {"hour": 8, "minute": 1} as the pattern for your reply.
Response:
{"hour": 11, "minute": 17}
